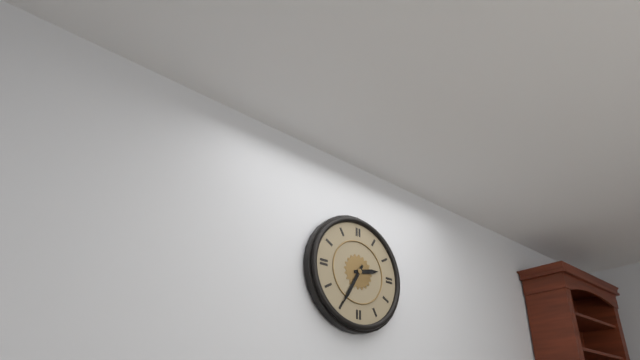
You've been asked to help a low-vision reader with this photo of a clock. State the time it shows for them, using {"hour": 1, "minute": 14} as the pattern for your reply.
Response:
{"hour": 2, "minute": 35}
